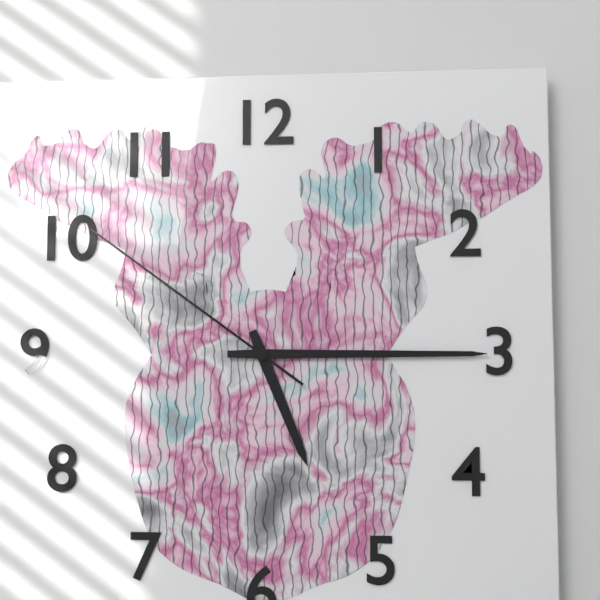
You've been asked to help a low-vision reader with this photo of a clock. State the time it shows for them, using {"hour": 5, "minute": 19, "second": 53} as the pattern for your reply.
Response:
{"hour": 5, "minute": 15, "second": 51}
